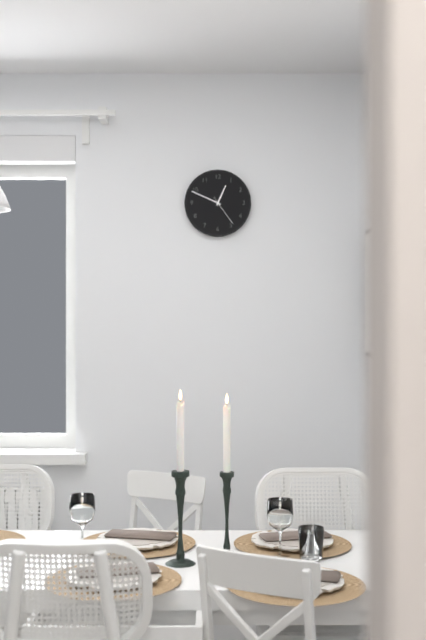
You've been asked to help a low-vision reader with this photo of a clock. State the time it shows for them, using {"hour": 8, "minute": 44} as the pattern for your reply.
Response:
{"hour": 12, "minute": 49}
